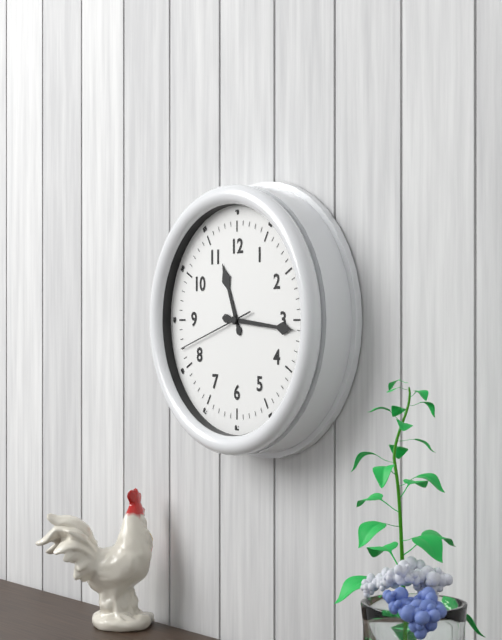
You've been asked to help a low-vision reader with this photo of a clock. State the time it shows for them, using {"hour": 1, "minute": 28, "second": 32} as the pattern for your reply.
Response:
{"hour": 11, "minute": 16, "second": 42}
